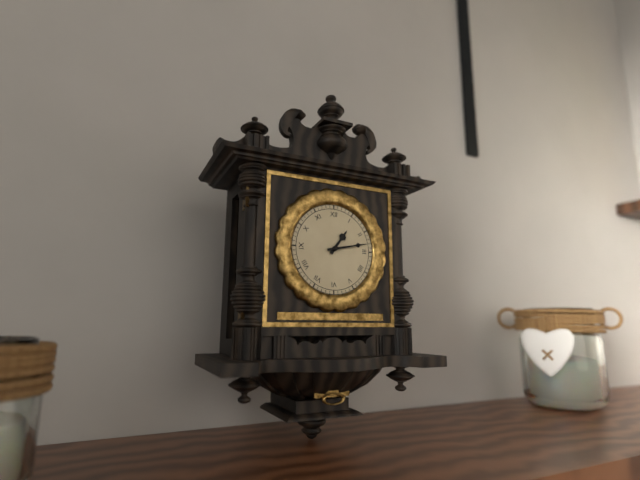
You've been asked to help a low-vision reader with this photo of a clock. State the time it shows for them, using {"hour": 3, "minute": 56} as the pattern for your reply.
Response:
{"hour": 1, "minute": 13}
